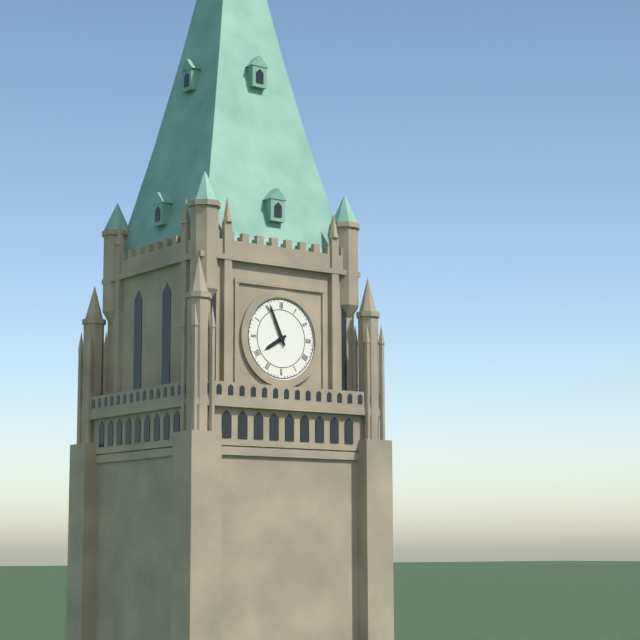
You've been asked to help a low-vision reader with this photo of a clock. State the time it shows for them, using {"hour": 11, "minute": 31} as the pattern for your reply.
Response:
{"hour": 7, "minute": 56}
